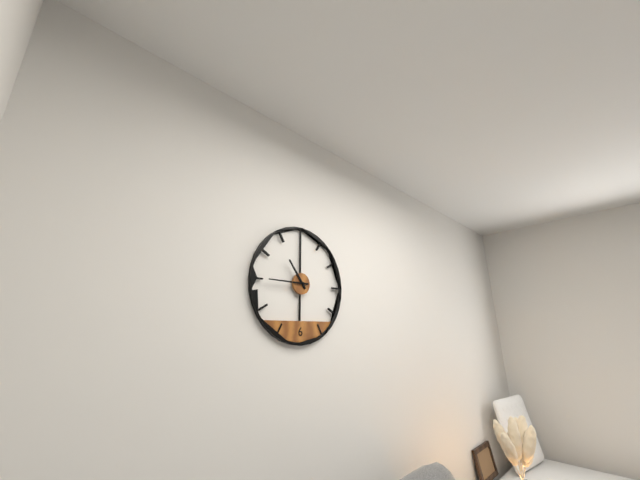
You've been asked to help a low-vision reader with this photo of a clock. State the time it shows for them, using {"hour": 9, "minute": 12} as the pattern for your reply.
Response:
{"hour": 10, "minute": 45}
